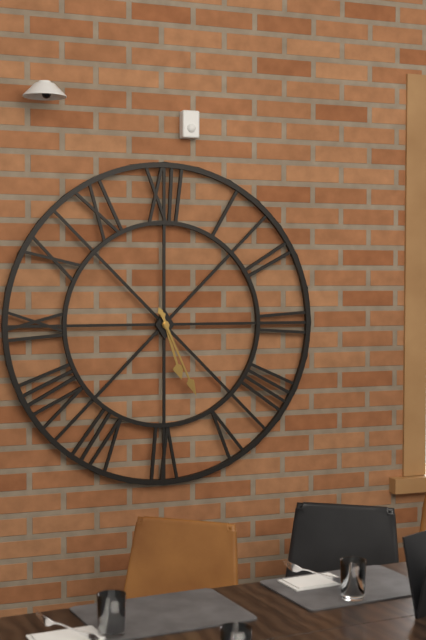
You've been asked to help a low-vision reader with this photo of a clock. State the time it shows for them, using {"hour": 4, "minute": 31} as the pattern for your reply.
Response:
{"hour": 5, "minute": 26}
